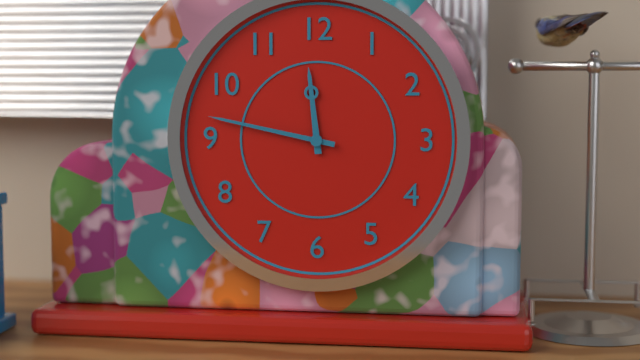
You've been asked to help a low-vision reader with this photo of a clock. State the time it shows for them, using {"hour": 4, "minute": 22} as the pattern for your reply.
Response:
{"hour": 11, "minute": 47}
